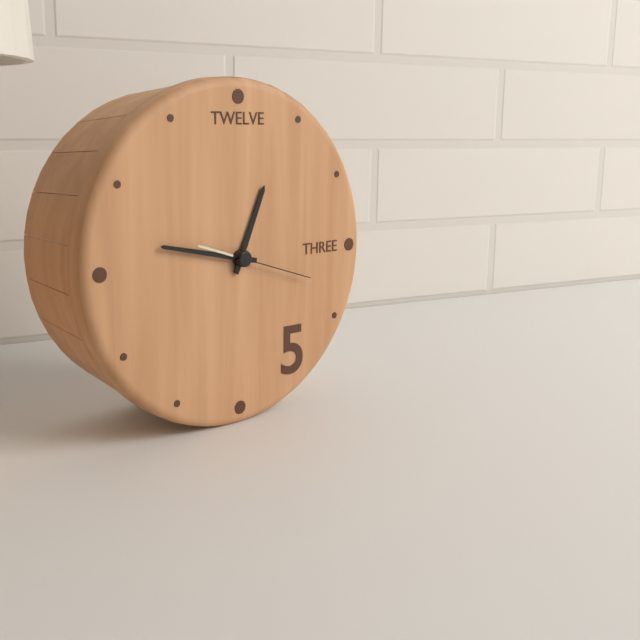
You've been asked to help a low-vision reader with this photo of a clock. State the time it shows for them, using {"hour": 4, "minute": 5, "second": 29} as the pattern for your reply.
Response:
{"hour": 12, "minute": 47, "second": 18}
